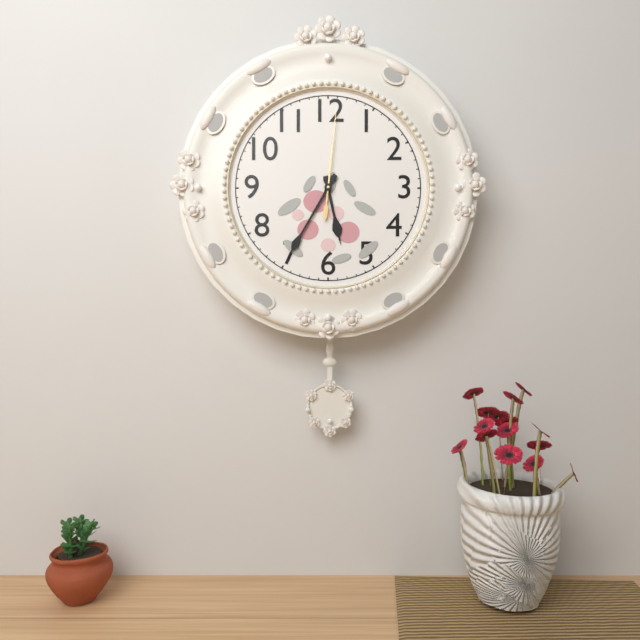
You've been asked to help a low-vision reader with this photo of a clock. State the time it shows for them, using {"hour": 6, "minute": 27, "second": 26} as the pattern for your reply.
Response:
{"hour": 5, "minute": 35, "second": 1}
